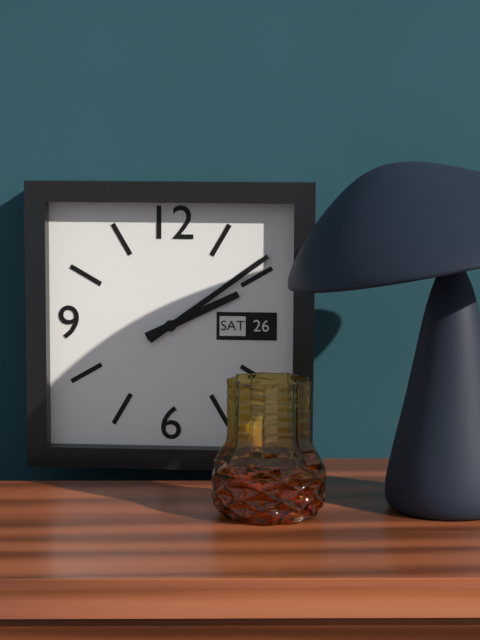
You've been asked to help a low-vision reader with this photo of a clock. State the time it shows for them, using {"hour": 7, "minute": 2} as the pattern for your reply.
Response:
{"hour": 2, "minute": 9}
